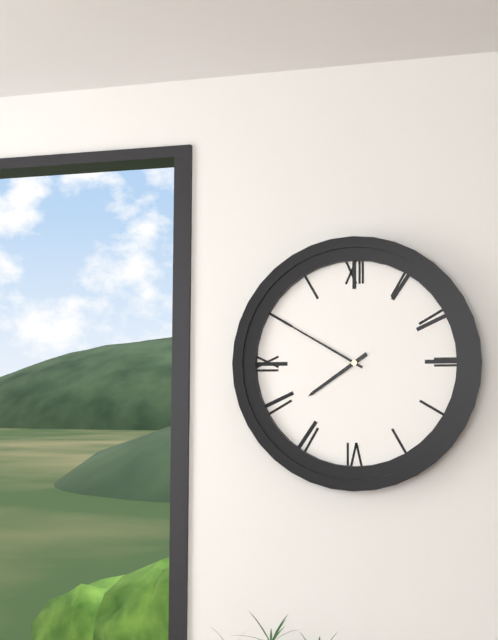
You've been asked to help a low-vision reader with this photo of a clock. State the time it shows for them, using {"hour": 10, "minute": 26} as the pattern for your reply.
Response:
{"hour": 7, "minute": 50}
